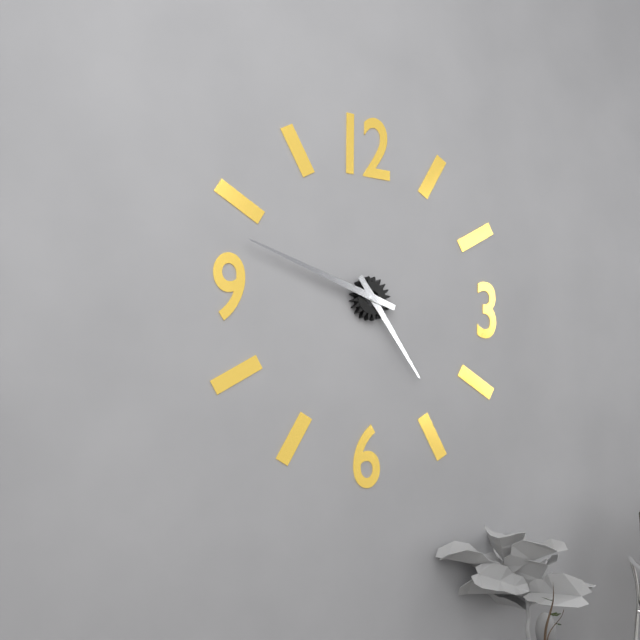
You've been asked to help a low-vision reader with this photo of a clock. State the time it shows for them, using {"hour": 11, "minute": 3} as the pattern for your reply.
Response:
{"hour": 4, "minute": 48}
